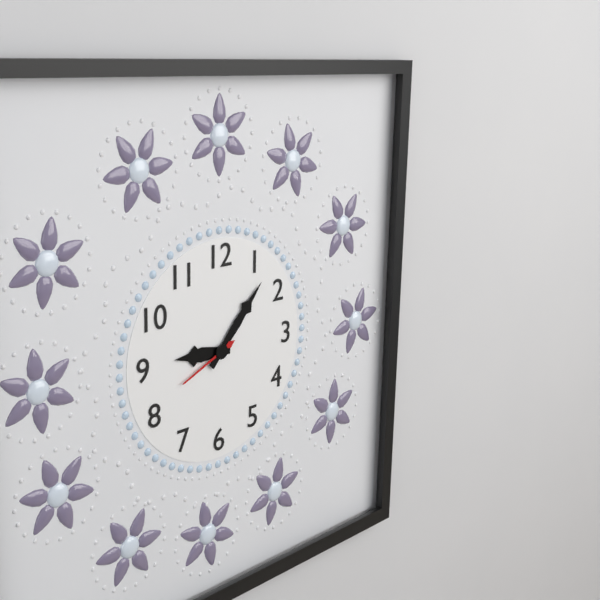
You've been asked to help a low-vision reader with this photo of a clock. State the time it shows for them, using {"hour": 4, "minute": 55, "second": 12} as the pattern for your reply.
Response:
{"hour": 9, "minute": 7, "second": 41}
